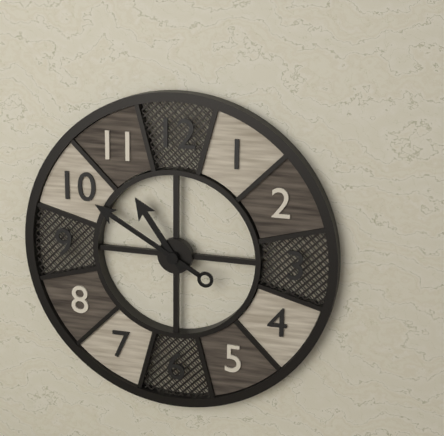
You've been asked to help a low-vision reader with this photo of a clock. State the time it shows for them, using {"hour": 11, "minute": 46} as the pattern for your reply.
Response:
{"hour": 10, "minute": 50}
